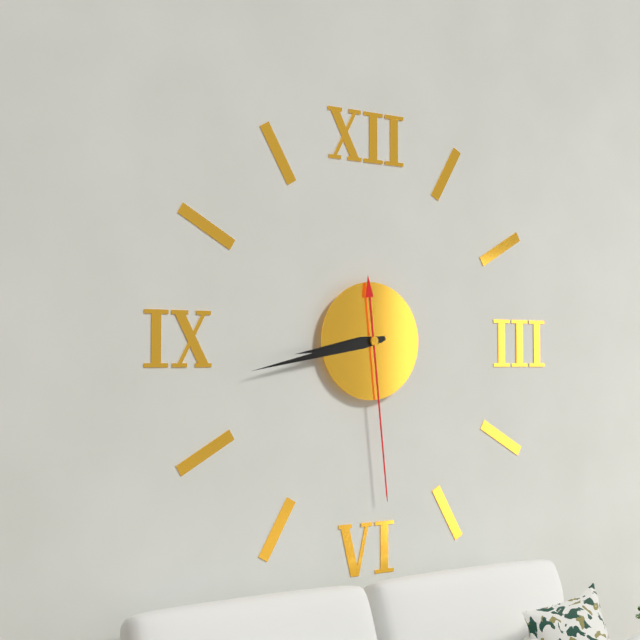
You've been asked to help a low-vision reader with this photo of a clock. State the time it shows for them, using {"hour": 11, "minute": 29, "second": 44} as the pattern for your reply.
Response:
{"hour": 8, "minute": 43, "second": 29}
